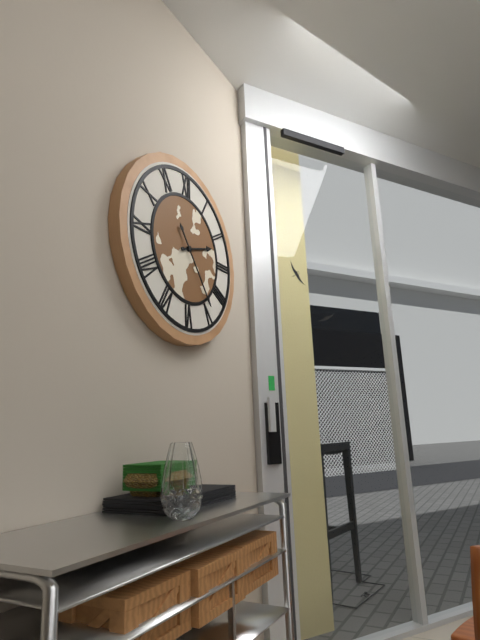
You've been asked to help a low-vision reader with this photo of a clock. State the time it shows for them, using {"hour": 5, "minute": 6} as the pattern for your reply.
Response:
{"hour": 2, "minute": 24}
